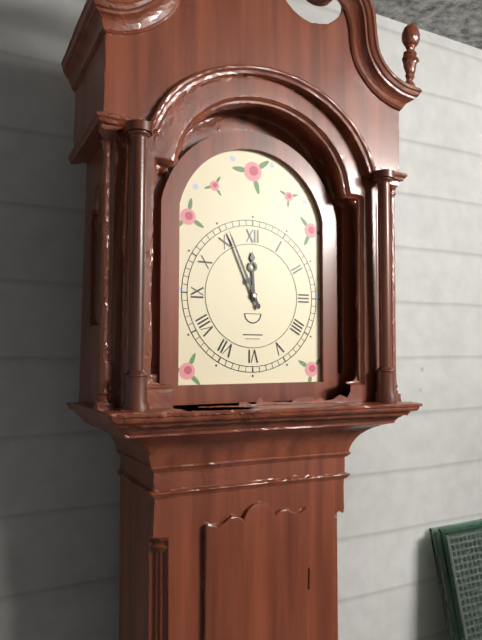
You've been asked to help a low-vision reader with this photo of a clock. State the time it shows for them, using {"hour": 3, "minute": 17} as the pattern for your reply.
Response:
{"hour": 11, "minute": 56}
